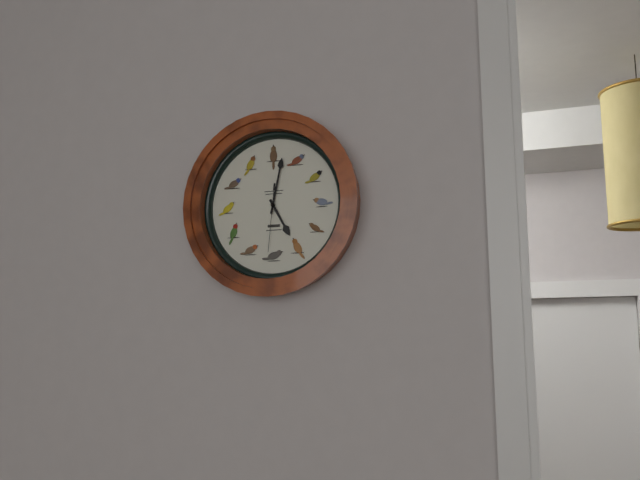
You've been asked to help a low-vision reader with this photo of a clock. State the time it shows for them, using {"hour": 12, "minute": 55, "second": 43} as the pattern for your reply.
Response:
{"hour": 5, "minute": 2, "second": 31}
